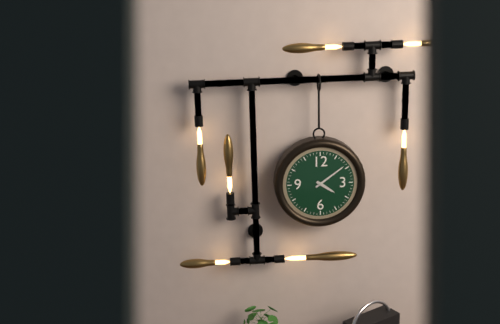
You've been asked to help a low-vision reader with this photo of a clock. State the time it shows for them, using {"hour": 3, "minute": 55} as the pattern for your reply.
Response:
{"hour": 4, "minute": 9}
